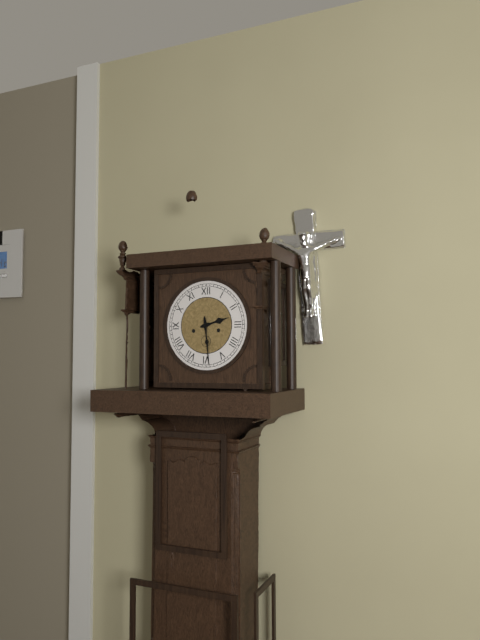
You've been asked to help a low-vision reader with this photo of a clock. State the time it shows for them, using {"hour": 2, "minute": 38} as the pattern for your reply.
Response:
{"hour": 2, "minute": 29}
